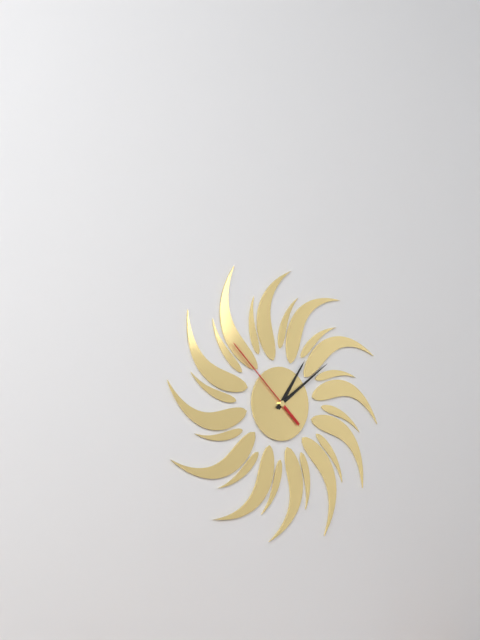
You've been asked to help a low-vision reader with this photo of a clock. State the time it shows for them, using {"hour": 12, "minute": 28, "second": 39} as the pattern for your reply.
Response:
{"hour": 1, "minute": 9, "second": 52}
